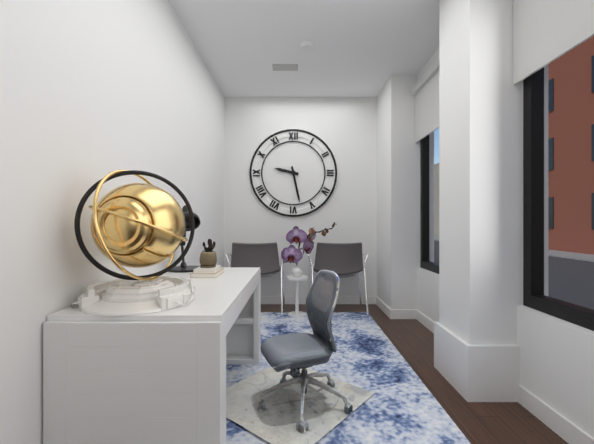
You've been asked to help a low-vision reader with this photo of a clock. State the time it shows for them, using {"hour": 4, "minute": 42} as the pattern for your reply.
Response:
{"hour": 9, "minute": 28}
